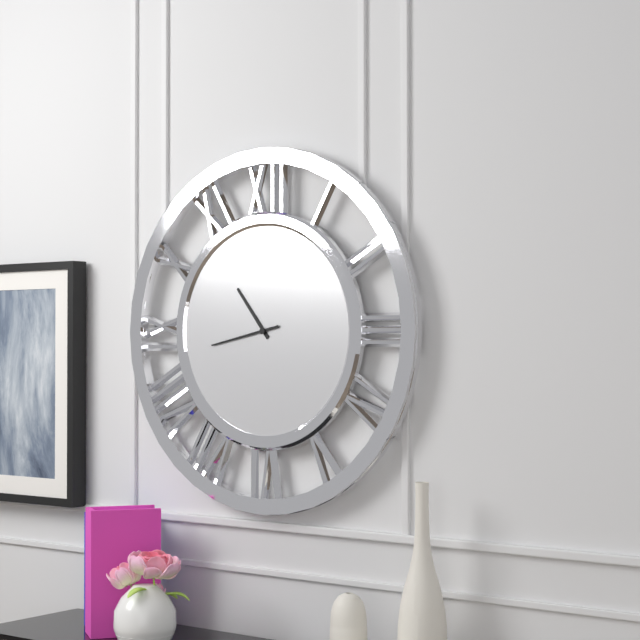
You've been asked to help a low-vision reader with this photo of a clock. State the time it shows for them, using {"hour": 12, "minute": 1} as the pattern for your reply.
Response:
{"hour": 10, "minute": 43}
